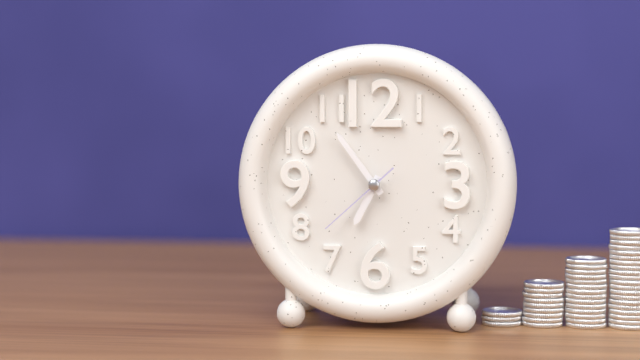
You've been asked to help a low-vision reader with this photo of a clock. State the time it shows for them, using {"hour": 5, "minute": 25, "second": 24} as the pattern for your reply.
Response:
{"hour": 6, "minute": 54, "second": 38}
